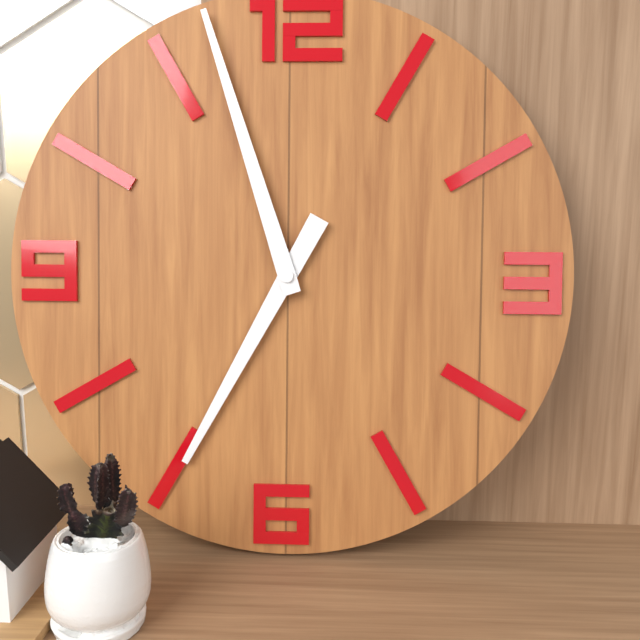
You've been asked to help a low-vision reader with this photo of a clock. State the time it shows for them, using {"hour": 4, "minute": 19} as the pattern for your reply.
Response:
{"hour": 6, "minute": 57}
